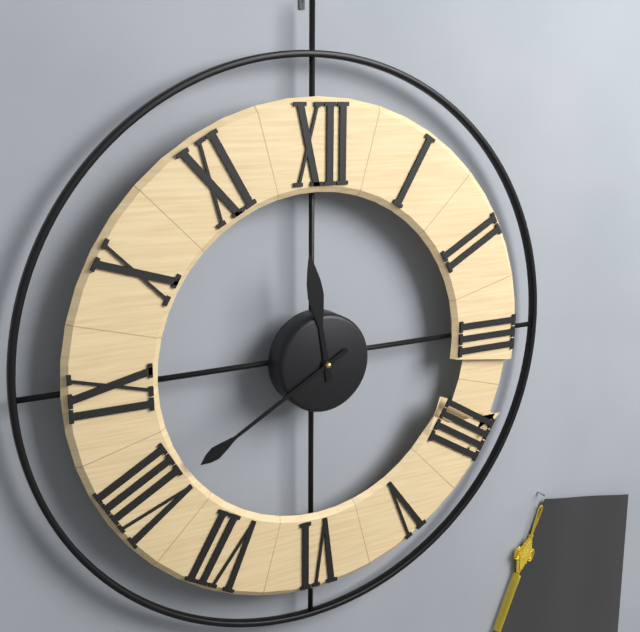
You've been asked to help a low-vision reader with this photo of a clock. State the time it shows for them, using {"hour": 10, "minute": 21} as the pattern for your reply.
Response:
{"hour": 11, "minute": 40}
